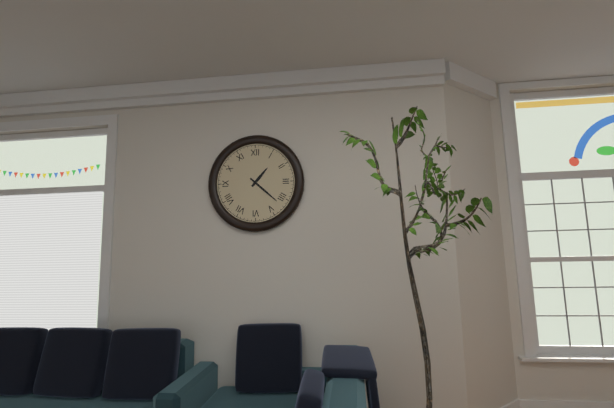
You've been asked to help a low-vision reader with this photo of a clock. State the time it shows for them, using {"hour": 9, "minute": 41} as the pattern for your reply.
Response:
{"hour": 1, "minute": 22}
